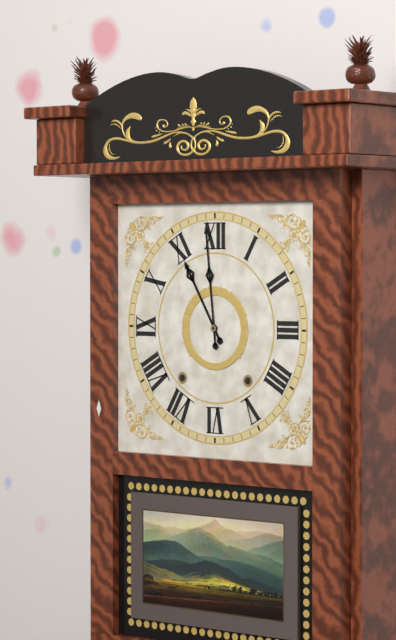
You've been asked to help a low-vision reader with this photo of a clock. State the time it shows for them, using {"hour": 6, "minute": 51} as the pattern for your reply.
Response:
{"hour": 10, "minute": 59}
